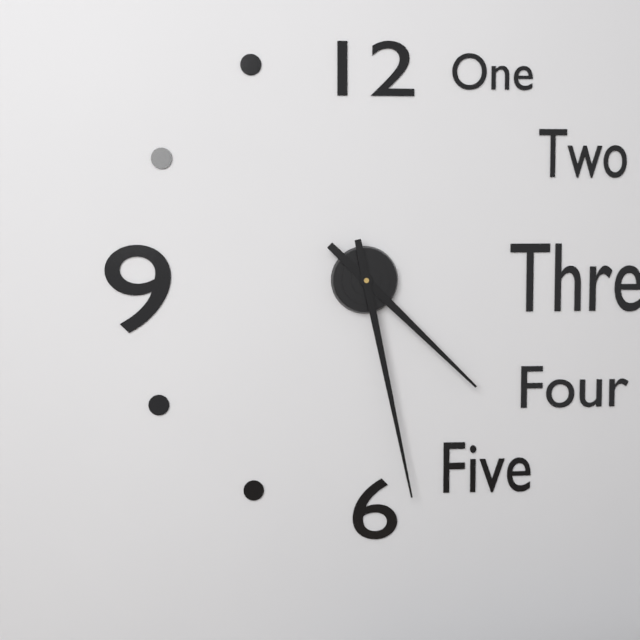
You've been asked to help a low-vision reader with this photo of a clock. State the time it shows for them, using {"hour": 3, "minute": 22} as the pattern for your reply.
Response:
{"hour": 4, "minute": 28}
